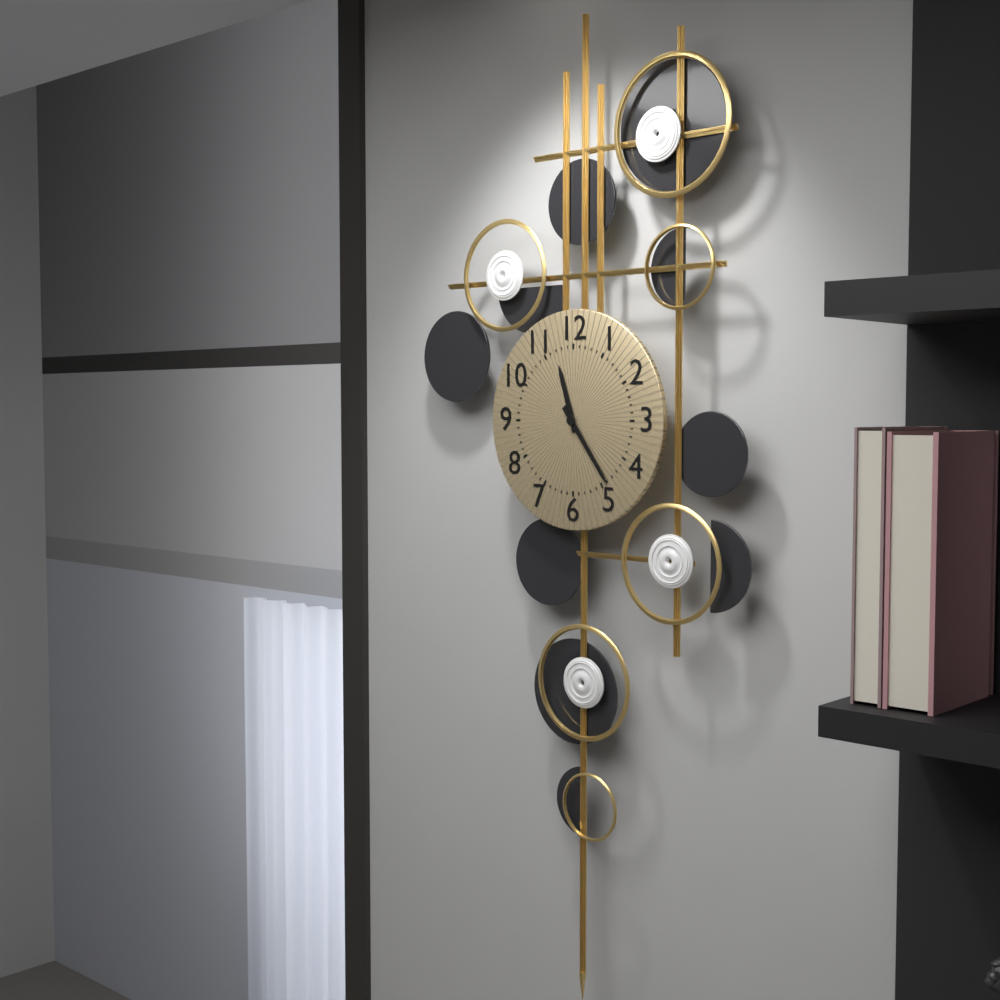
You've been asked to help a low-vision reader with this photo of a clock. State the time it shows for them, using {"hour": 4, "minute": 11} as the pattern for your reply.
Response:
{"hour": 11, "minute": 24}
